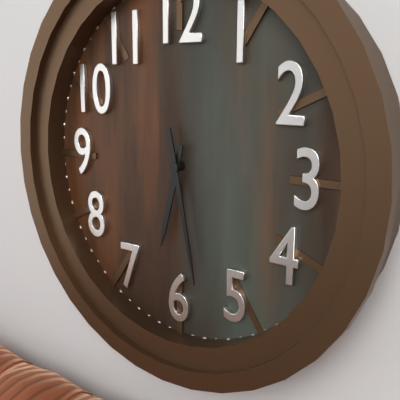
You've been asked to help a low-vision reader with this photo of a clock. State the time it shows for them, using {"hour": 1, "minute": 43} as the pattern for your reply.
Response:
{"hour": 6, "minute": 28}
